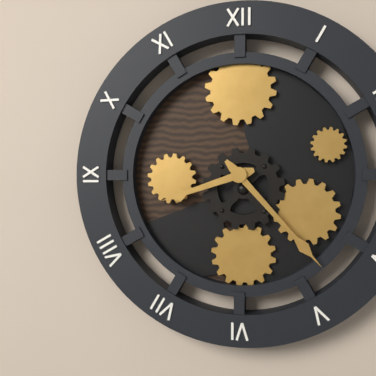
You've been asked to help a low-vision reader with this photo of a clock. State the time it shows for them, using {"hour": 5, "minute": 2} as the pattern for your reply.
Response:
{"hour": 8, "minute": 23}
